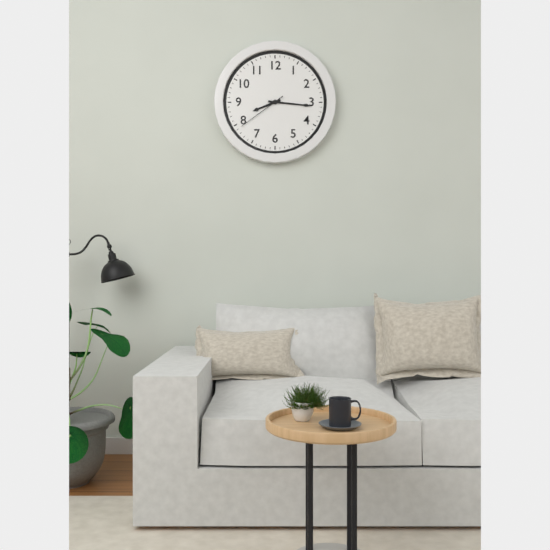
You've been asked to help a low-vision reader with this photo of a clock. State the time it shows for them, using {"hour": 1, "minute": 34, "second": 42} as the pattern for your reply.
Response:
{"hour": 8, "minute": 16, "second": 39}
